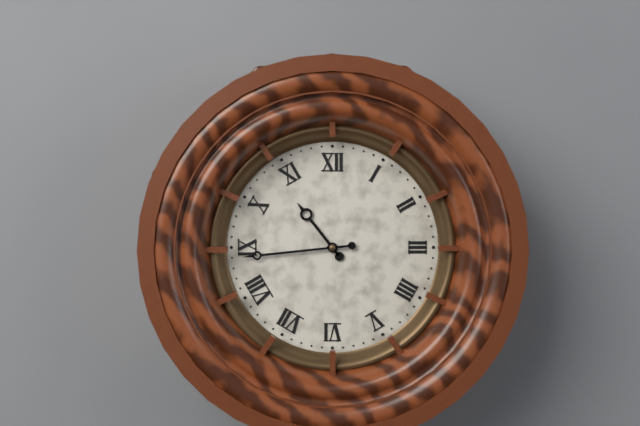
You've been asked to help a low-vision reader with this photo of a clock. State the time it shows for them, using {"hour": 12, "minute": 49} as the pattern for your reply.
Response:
{"hour": 10, "minute": 44}
